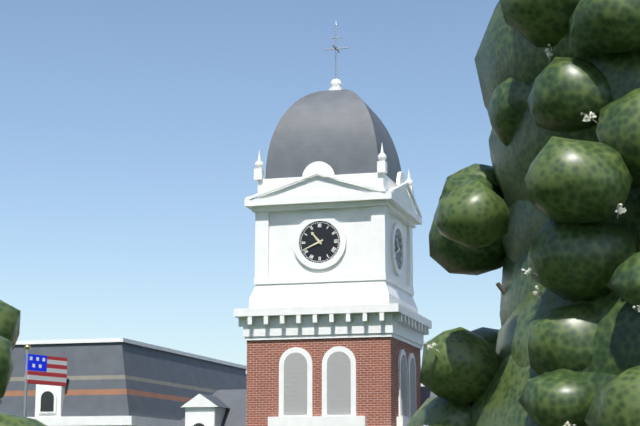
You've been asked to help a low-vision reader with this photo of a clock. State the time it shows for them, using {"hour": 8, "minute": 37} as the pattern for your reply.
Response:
{"hour": 10, "minute": 41}
